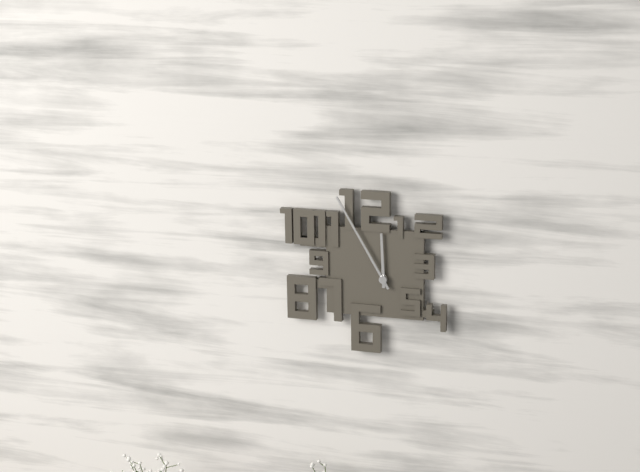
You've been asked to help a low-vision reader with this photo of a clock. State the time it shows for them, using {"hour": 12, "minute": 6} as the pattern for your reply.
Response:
{"hour": 11, "minute": 55}
